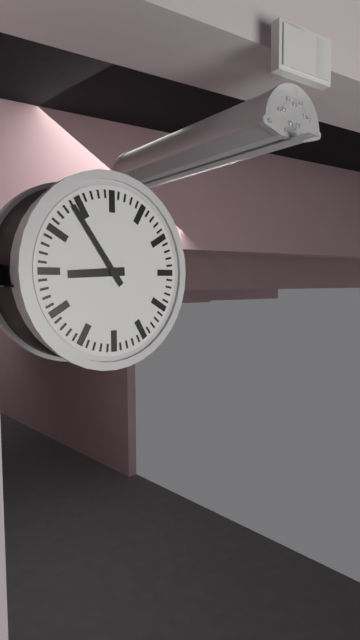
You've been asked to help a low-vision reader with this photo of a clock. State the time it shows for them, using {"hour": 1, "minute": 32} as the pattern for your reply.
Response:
{"hour": 8, "minute": 54}
